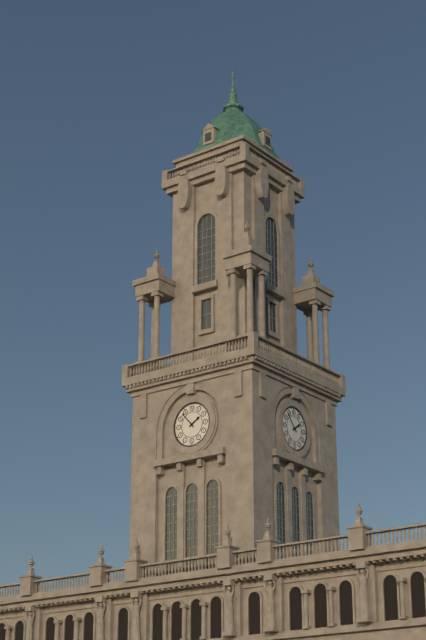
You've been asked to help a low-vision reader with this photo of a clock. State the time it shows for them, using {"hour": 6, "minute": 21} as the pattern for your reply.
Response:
{"hour": 1, "minute": 53}
